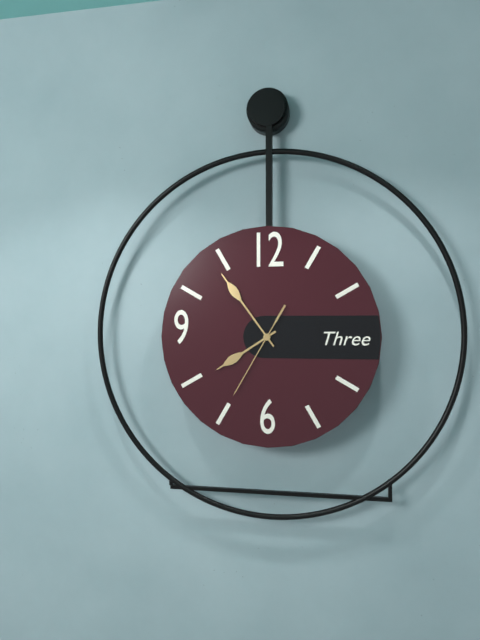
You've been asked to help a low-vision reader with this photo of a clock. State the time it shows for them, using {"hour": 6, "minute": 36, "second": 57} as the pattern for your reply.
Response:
{"hour": 7, "minute": 54, "second": 35}
